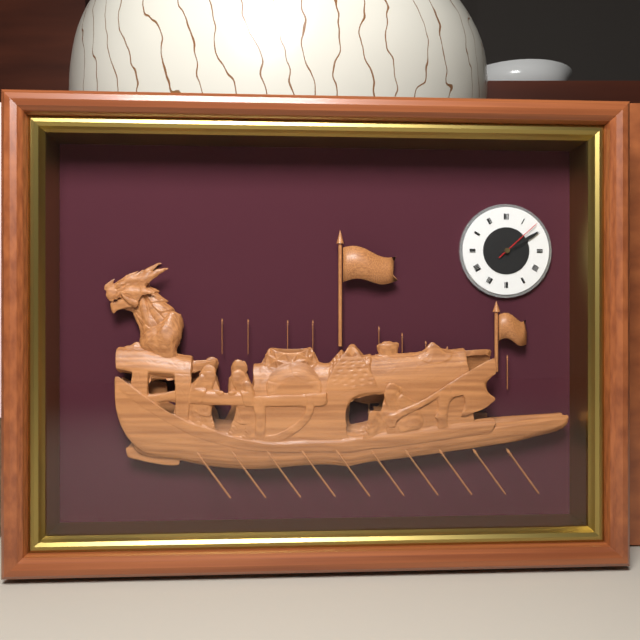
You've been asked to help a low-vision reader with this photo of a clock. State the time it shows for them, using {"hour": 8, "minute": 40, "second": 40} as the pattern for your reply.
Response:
{"hour": 2, "minute": 10, "second": 8}
